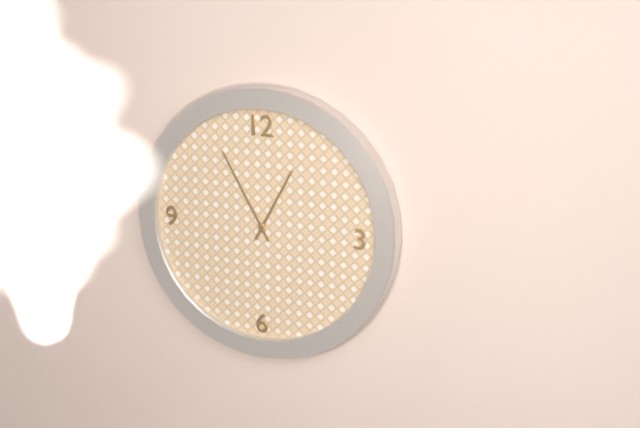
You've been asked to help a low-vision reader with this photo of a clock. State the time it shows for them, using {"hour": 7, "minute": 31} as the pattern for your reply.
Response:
{"hour": 12, "minute": 55}
